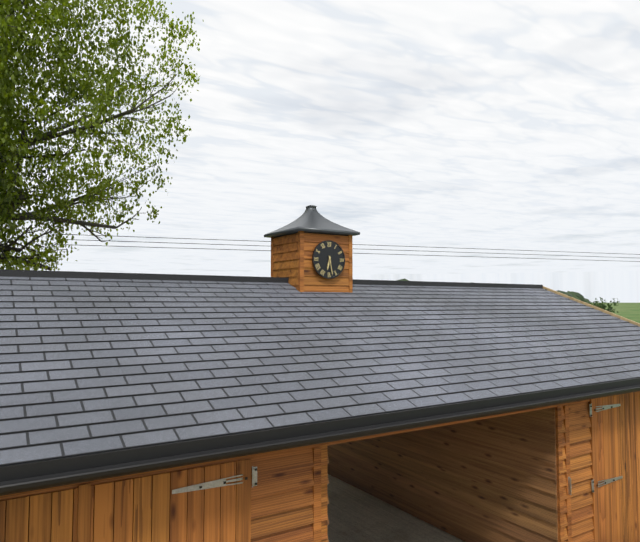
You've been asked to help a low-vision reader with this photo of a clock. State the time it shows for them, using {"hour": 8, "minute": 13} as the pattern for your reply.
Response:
{"hour": 6, "minute": 28}
